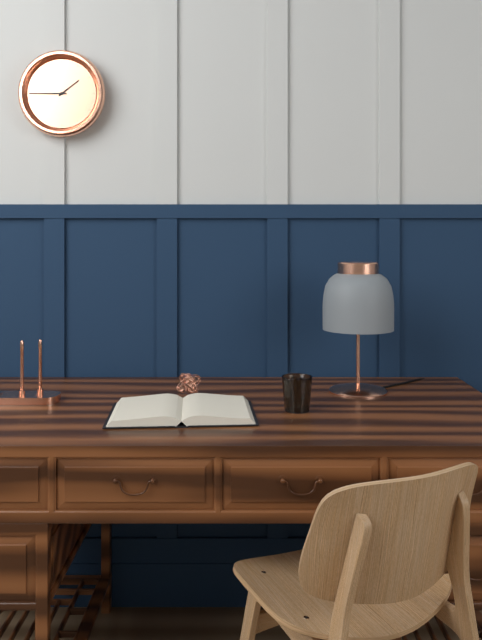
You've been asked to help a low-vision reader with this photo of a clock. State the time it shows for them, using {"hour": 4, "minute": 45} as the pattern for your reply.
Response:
{"hour": 1, "minute": 45}
